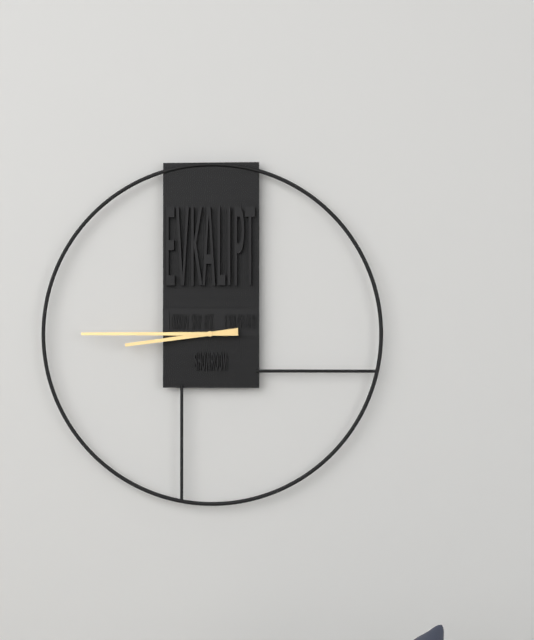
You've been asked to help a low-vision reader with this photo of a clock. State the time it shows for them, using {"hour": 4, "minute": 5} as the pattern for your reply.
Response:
{"hour": 8, "minute": 45}
